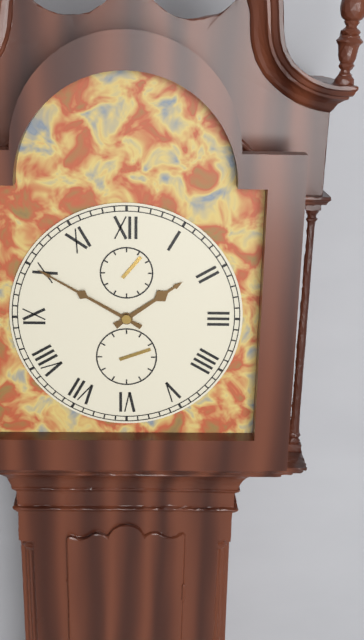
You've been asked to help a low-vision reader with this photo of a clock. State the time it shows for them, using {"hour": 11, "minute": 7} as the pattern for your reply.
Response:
{"hour": 1, "minute": 50}
